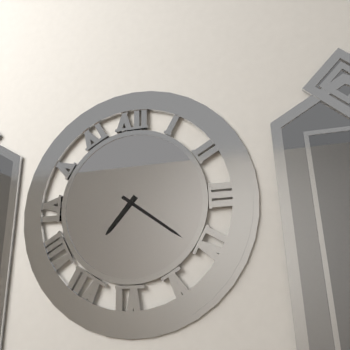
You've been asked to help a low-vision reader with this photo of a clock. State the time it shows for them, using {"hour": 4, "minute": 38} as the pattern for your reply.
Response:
{"hour": 7, "minute": 21}
